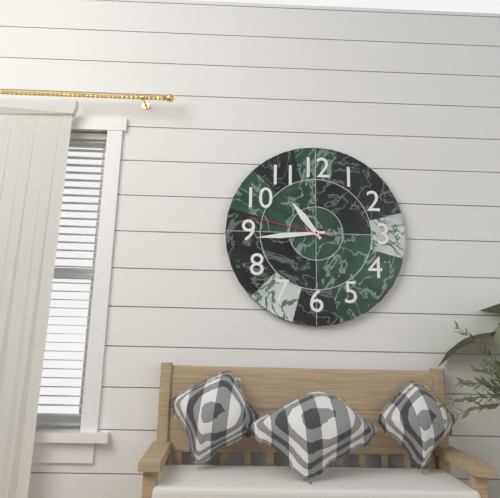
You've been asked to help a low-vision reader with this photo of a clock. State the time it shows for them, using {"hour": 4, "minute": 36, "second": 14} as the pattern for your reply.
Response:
{"hour": 10, "minute": 44, "second": 47}
